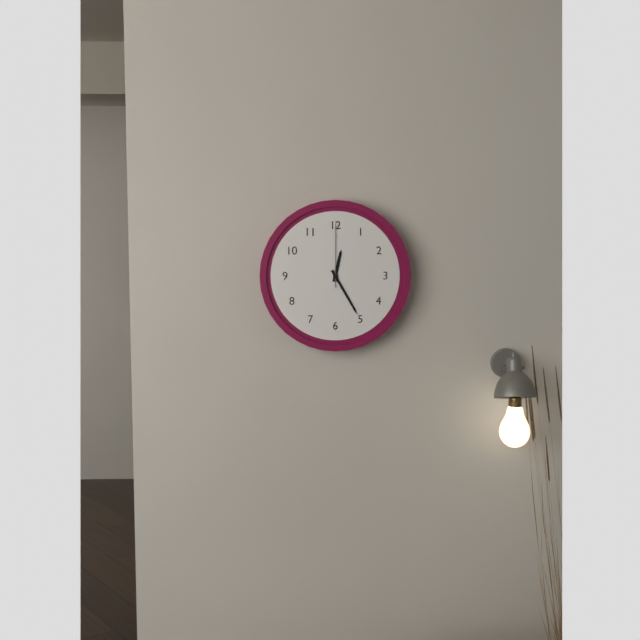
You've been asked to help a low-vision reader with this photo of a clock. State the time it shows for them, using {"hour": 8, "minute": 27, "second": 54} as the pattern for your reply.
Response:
{"hour": 12, "minute": 25, "second": 0}
